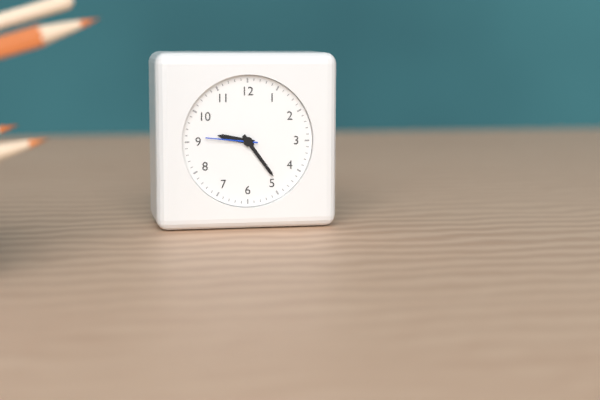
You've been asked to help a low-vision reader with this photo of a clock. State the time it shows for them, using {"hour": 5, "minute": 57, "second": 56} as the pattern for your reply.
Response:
{"hour": 9, "minute": 24, "second": 46}
